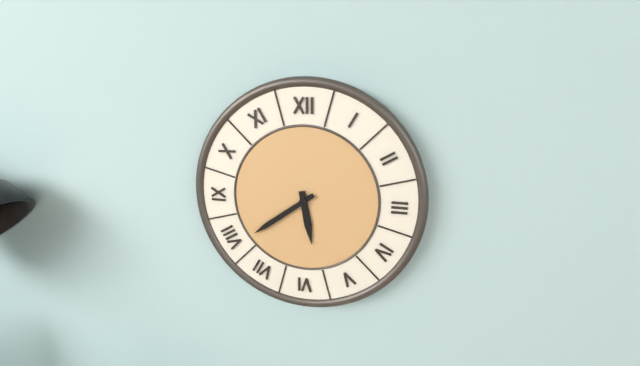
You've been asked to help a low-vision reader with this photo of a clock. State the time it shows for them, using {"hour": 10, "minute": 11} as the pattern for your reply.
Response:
{"hour": 5, "minute": 39}
